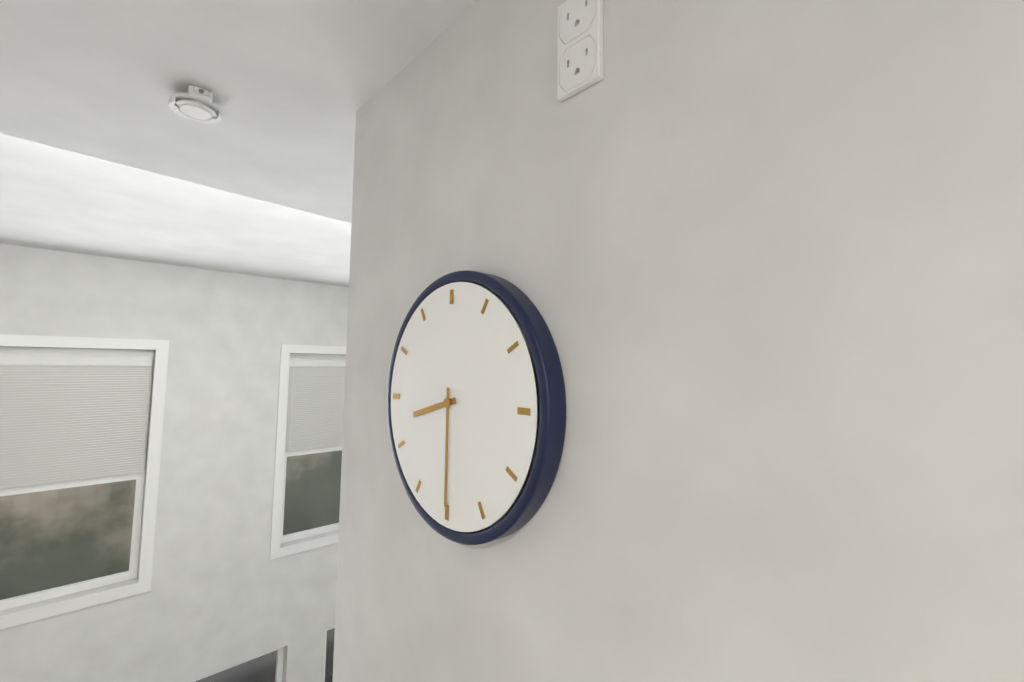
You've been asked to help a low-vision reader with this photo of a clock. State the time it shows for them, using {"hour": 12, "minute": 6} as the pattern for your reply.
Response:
{"hour": 8, "minute": 30}
